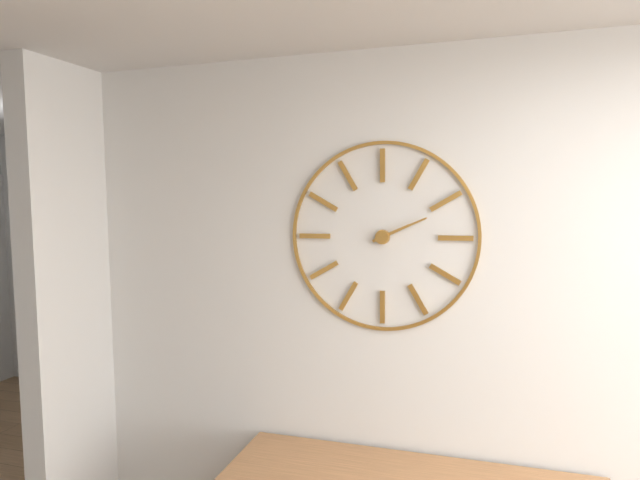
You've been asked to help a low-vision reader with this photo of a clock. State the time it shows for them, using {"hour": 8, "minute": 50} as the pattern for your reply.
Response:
{"hour": 2, "minute": 11}
